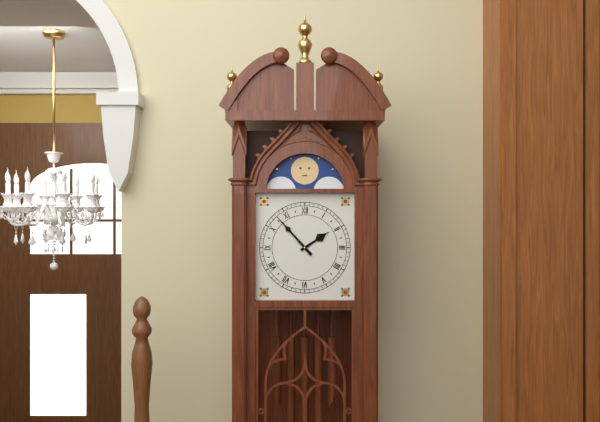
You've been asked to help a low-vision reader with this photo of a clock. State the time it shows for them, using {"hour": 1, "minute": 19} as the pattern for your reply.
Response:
{"hour": 1, "minute": 53}
